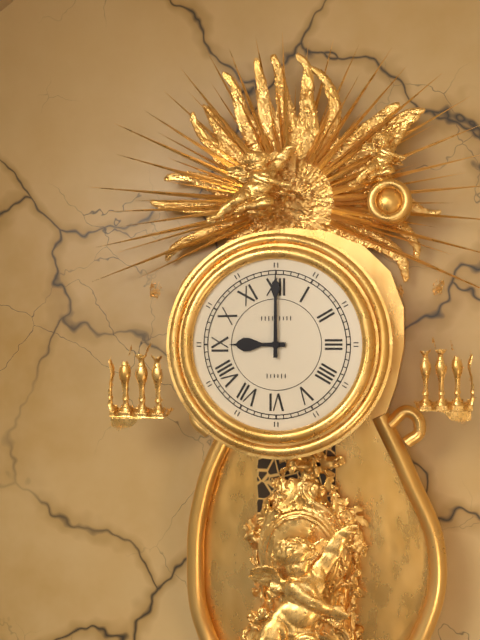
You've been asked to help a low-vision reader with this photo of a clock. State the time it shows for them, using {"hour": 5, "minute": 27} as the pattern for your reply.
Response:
{"hour": 9, "minute": 0}
